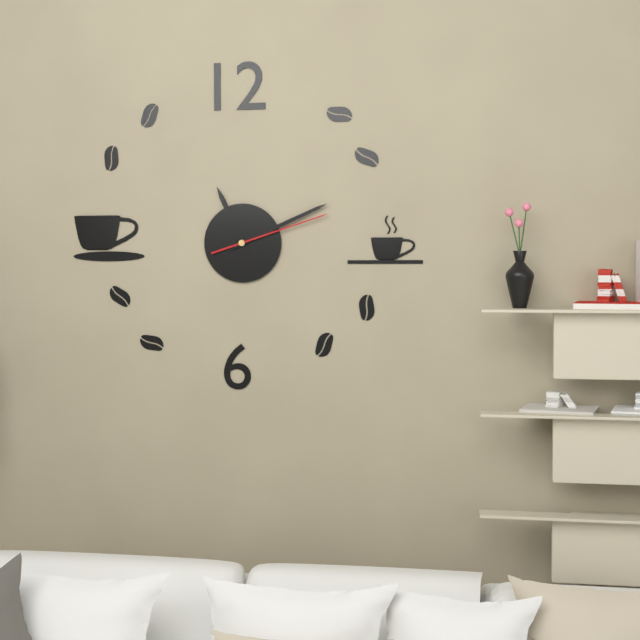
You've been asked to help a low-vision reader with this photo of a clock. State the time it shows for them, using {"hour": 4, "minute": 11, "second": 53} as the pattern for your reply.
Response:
{"hour": 11, "minute": 11, "second": 12}
